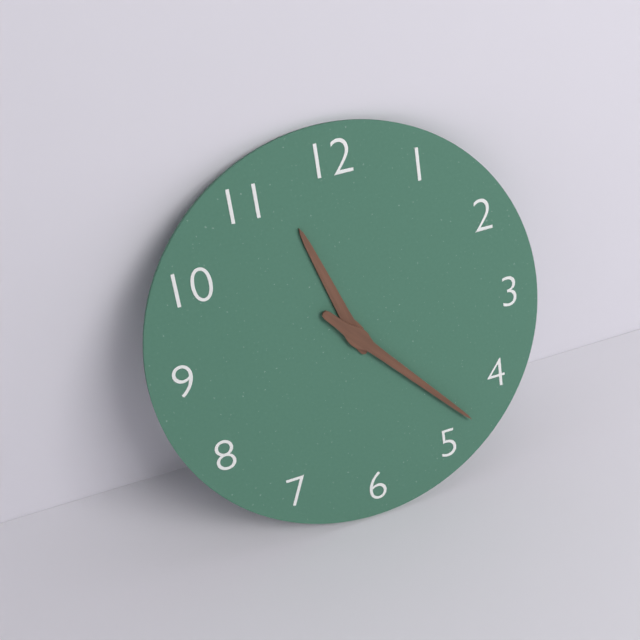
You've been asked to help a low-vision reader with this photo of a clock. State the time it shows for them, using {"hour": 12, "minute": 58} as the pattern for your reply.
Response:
{"hour": 11, "minute": 23}
